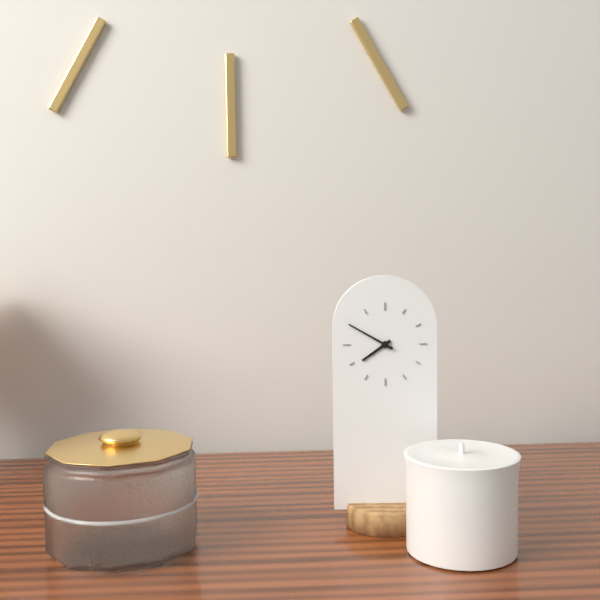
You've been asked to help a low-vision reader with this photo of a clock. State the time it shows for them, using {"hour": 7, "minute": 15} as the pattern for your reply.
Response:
{"hour": 7, "minute": 50}
